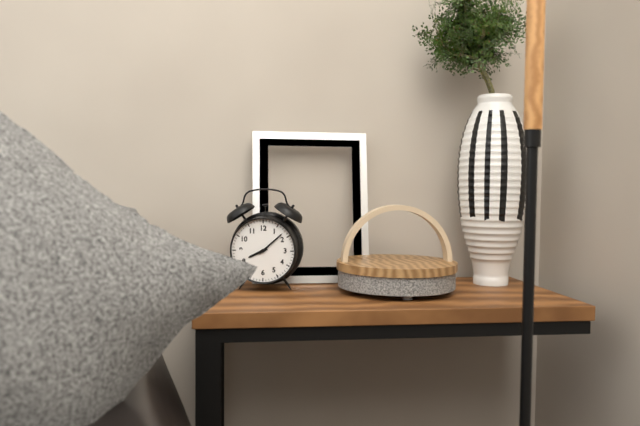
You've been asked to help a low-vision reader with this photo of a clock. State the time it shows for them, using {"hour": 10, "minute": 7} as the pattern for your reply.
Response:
{"hour": 8, "minute": 8}
